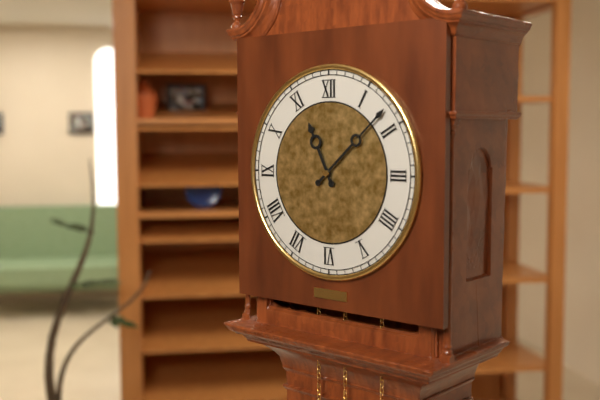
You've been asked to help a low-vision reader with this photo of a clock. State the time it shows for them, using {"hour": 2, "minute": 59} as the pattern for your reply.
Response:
{"hour": 11, "minute": 8}
